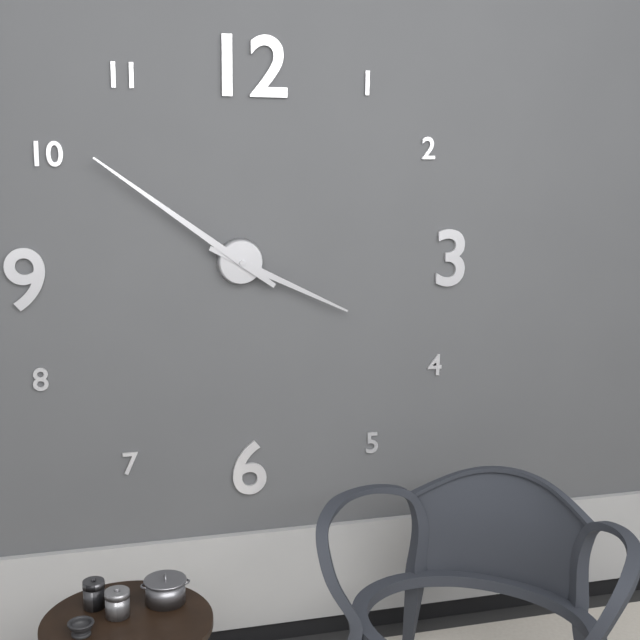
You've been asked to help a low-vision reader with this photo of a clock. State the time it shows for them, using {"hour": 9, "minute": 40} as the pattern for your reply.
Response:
{"hour": 3, "minute": 51}
